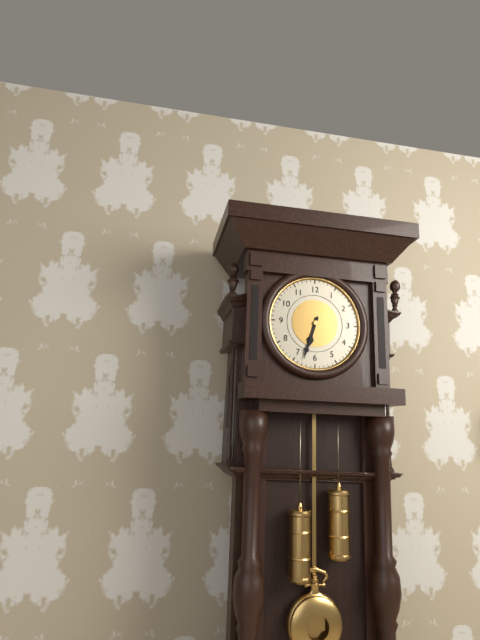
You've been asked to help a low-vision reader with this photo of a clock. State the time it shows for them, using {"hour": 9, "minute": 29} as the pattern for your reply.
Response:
{"hour": 6, "minute": 33}
